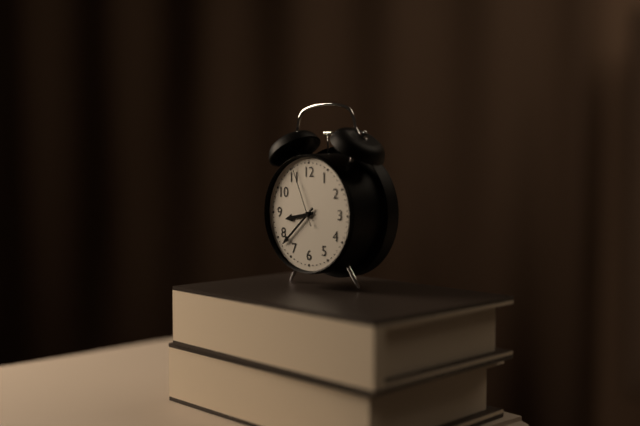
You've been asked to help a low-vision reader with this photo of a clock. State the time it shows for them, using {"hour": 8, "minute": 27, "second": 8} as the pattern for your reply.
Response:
{"hour": 8, "minute": 38, "second": 56}
